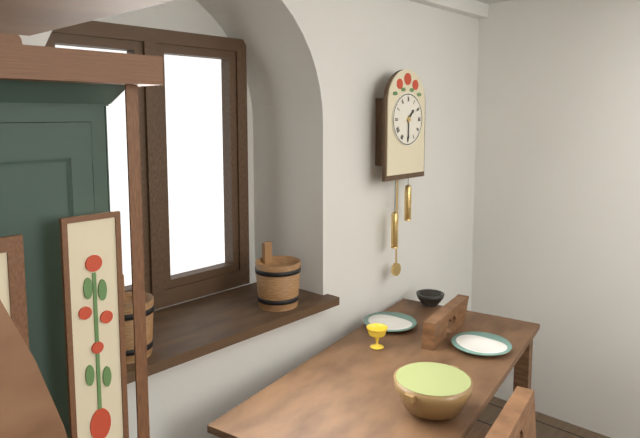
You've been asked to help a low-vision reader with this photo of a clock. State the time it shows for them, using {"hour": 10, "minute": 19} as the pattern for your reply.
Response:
{"hour": 1, "minute": 30}
